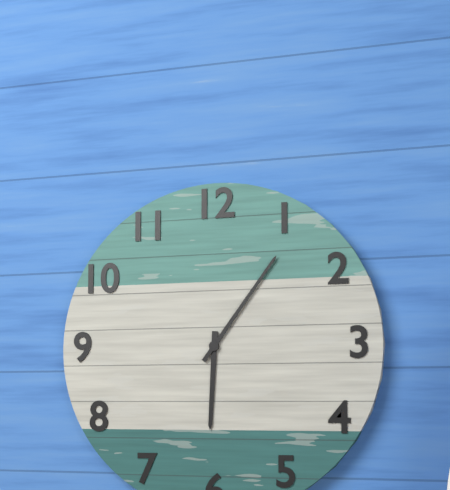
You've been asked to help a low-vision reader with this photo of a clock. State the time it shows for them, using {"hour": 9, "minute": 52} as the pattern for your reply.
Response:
{"hour": 6, "minute": 6}
